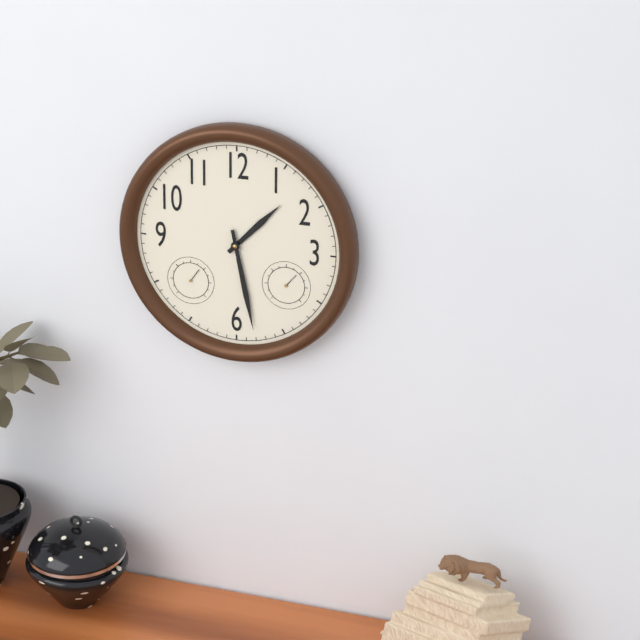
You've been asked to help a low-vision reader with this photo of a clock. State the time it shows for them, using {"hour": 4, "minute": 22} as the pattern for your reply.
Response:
{"hour": 1, "minute": 28}
